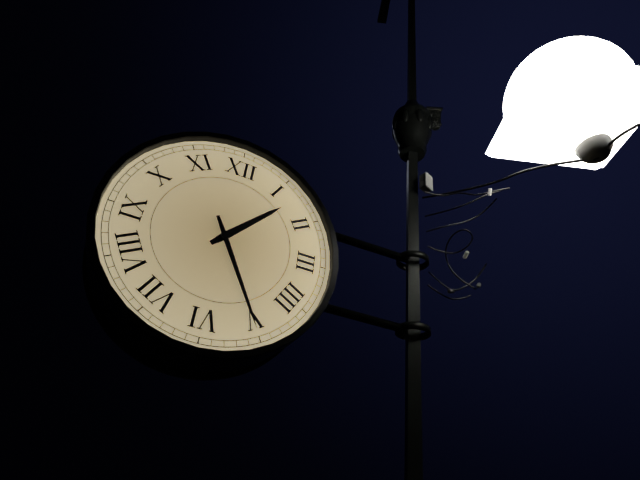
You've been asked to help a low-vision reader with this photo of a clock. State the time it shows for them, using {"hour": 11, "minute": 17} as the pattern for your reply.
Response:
{"hour": 1, "minute": 25}
